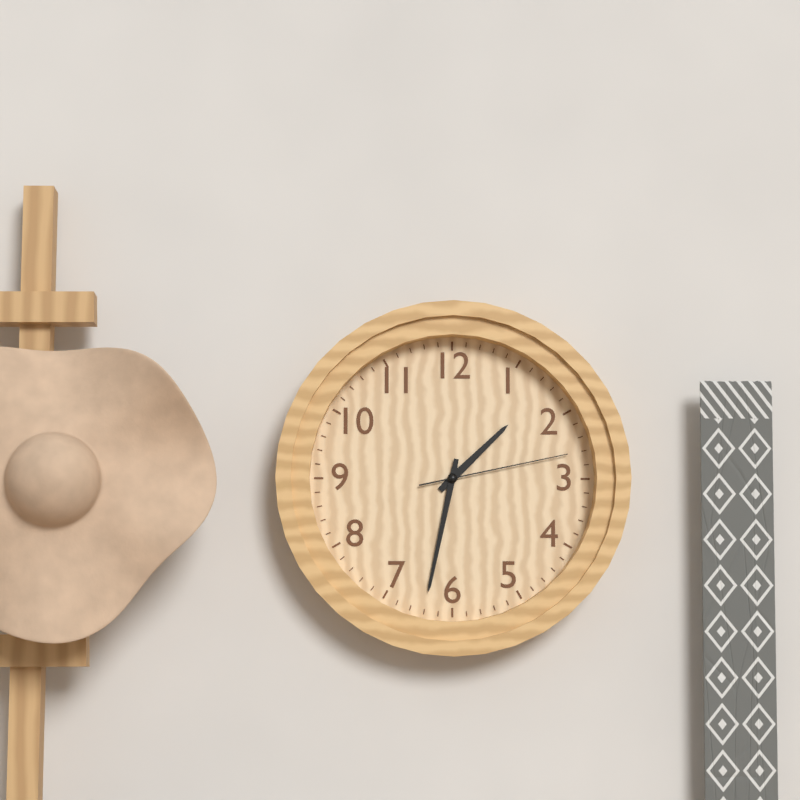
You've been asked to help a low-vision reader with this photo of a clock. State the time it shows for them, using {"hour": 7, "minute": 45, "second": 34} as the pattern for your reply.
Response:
{"hour": 1, "minute": 32, "second": 13}
